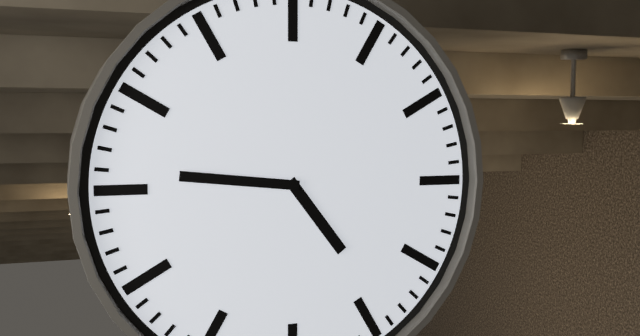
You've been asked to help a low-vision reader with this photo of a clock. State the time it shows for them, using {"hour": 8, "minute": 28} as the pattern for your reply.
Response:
{"hour": 4, "minute": 46}
